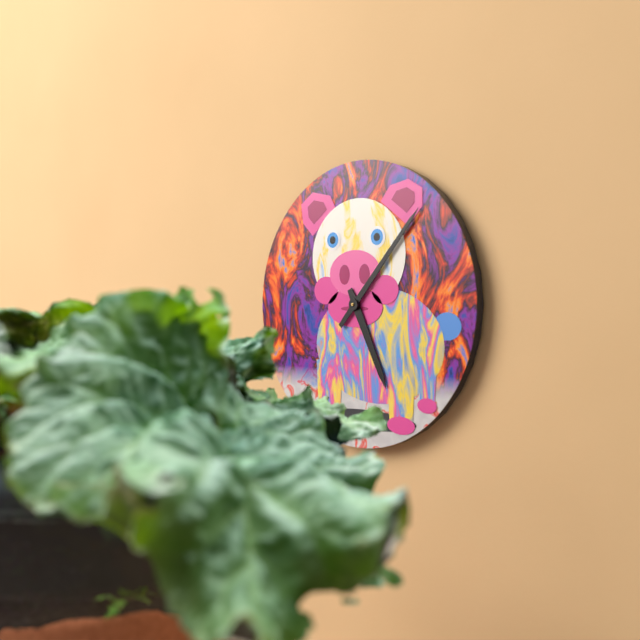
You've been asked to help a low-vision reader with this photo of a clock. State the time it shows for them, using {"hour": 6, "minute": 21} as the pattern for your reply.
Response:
{"hour": 5, "minute": 7}
